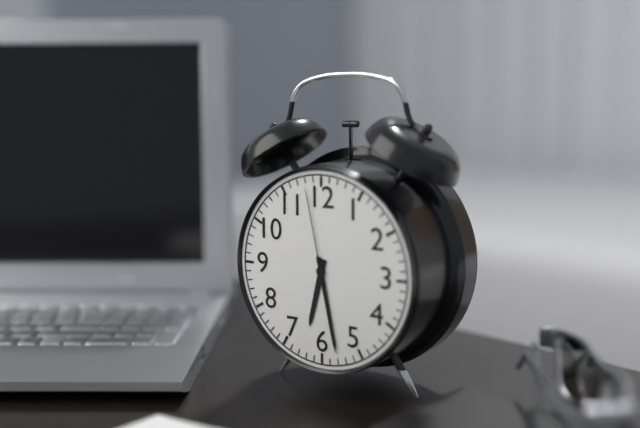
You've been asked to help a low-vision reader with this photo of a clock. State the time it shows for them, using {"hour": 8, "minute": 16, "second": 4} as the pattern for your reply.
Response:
{"hour": 6, "minute": 28, "second": 58}
